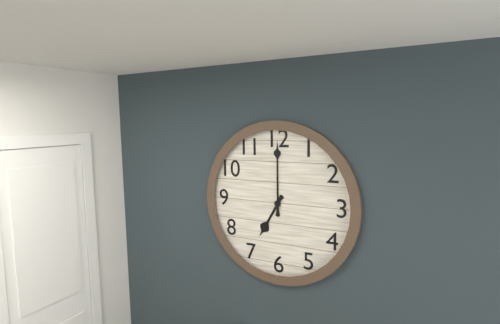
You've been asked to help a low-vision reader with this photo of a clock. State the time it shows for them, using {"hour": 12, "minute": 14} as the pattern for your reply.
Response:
{"hour": 7, "minute": 0}
